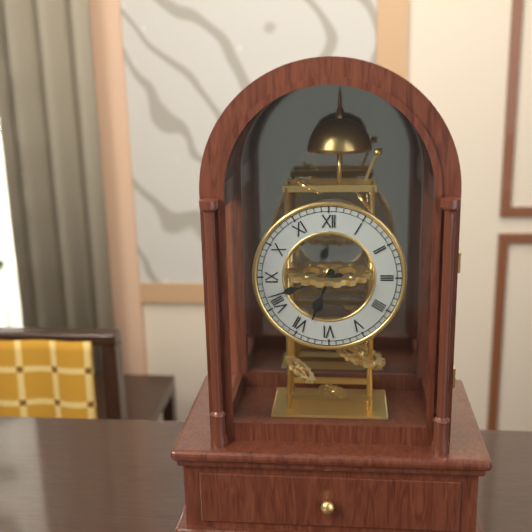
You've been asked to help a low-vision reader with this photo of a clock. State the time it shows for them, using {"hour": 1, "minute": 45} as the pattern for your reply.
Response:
{"hour": 6, "minute": 42}
